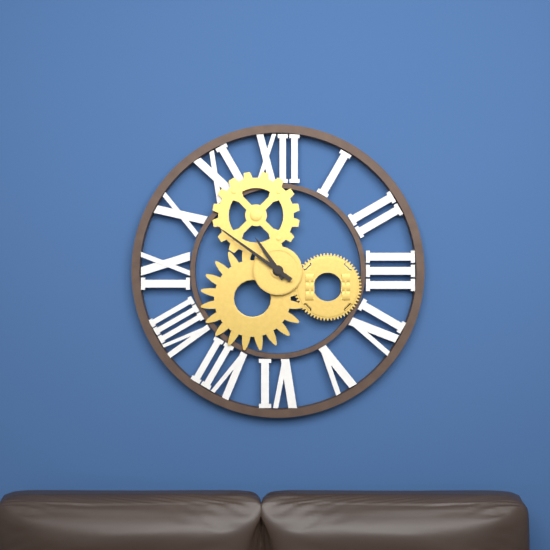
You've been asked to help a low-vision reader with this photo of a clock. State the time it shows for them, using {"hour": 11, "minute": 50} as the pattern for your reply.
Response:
{"hour": 10, "minute": 51}
